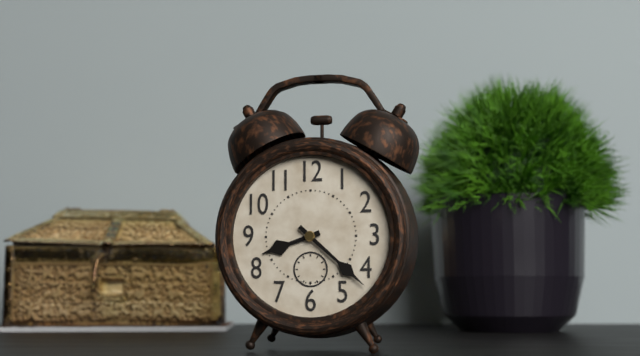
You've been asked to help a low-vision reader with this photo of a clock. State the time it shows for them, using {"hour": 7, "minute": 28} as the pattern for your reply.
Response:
{"hour": 8, "minute": 22}
